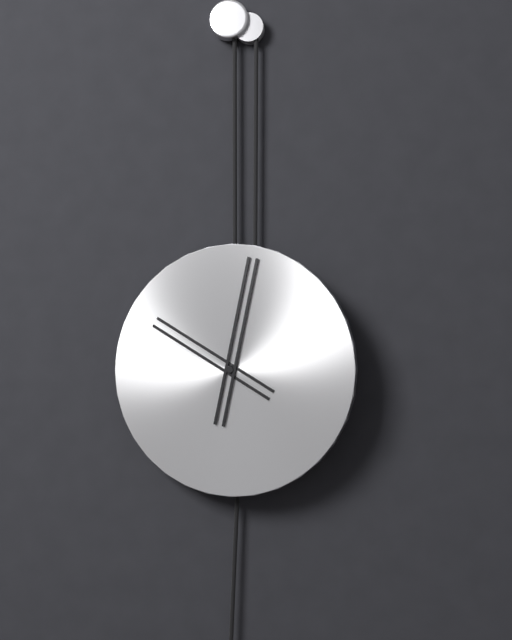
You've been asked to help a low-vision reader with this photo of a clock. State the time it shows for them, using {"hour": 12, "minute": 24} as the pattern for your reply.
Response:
{"hour": 10, "minute": 2}
